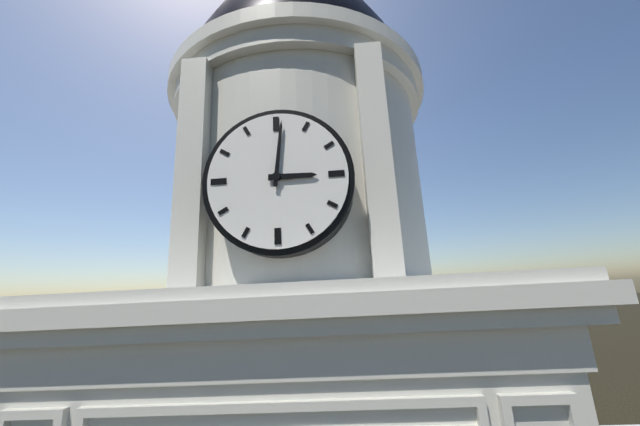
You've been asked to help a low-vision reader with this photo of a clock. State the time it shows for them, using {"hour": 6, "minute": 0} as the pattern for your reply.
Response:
{"hour": 3, "minute": 1}
